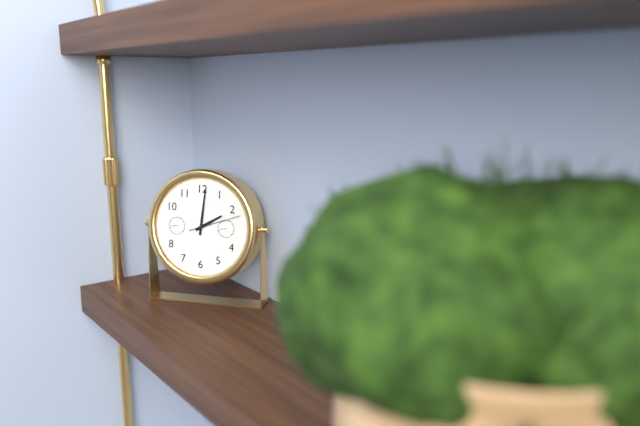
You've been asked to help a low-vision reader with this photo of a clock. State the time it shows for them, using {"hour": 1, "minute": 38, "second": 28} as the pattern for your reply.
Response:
{"hour": 2, "minute": 1, "second": 12}
